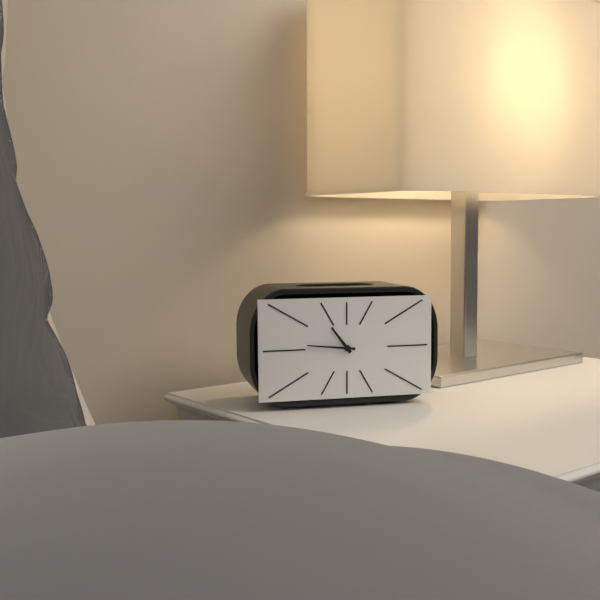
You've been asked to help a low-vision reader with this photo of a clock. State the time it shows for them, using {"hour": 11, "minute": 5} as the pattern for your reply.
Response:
{"hour": 10, "minute": 46}
